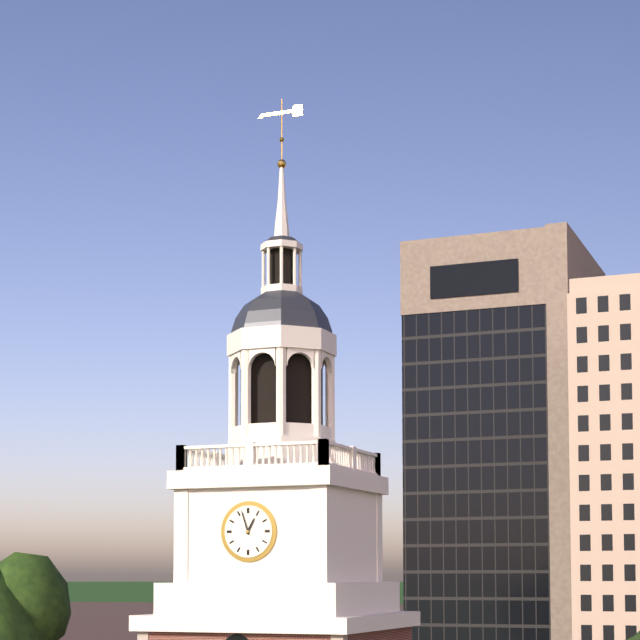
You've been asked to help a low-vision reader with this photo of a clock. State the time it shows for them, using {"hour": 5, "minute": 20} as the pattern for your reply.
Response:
{"hour": 12, "minute": 57}
